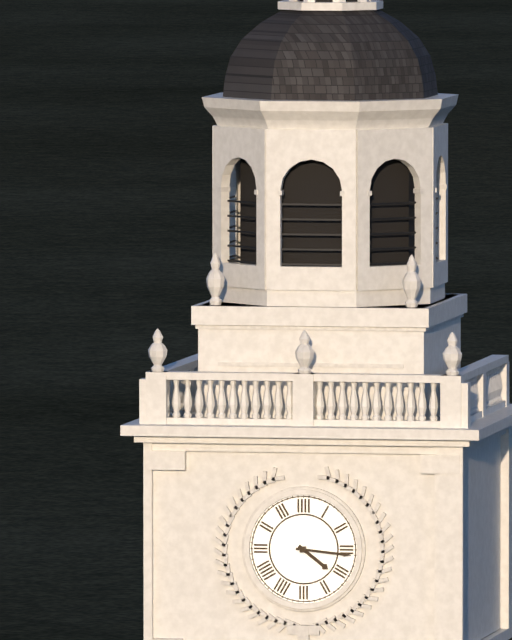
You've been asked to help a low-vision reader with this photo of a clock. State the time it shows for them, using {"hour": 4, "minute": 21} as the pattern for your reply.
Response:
{"hour": 4, "minute": 16}
